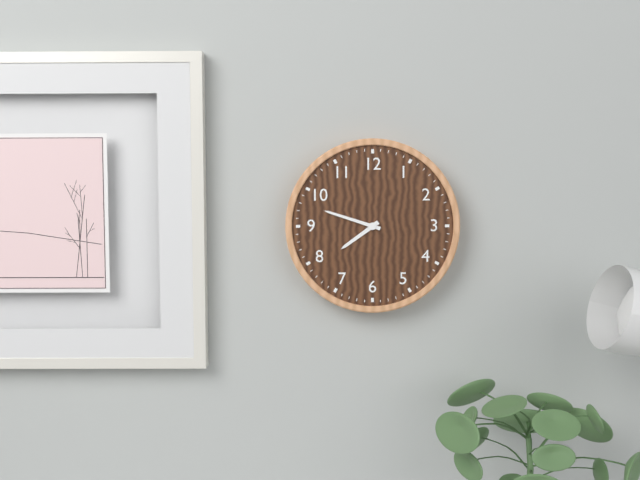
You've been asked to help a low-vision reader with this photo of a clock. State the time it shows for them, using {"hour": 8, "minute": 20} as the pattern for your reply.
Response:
{"hour": 7, "minute": 48}
